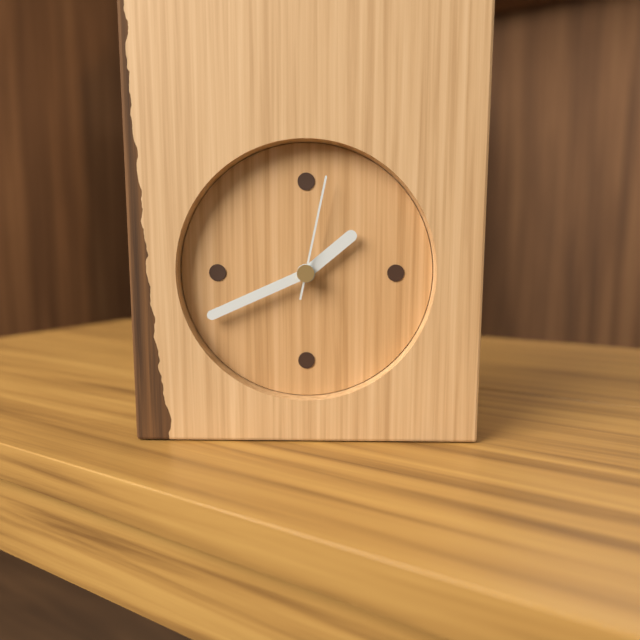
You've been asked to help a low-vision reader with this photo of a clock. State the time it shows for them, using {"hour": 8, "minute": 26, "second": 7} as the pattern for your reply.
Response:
{"hour": 1, "minute": 41, "second": 2}
